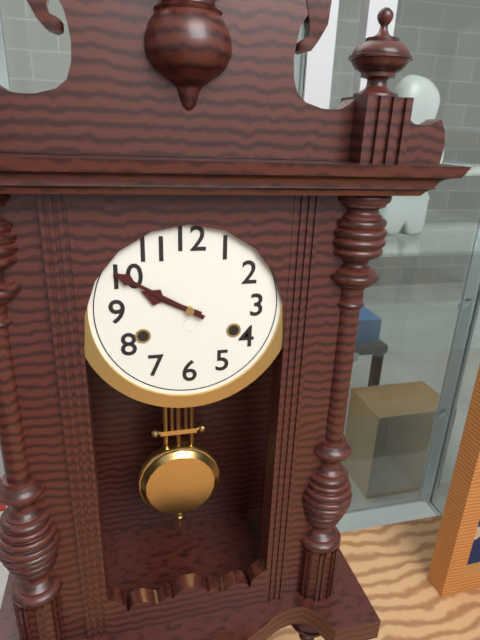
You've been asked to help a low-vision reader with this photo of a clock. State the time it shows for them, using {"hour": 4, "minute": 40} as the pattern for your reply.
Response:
{"hour": 9, "minute": 50}
